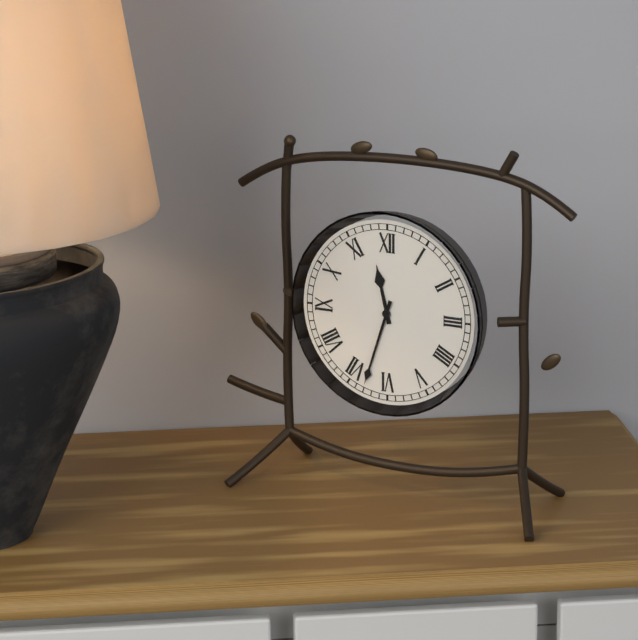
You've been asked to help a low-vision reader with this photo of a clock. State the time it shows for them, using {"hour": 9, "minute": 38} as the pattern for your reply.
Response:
{"hour": 11, "minute": 33}
